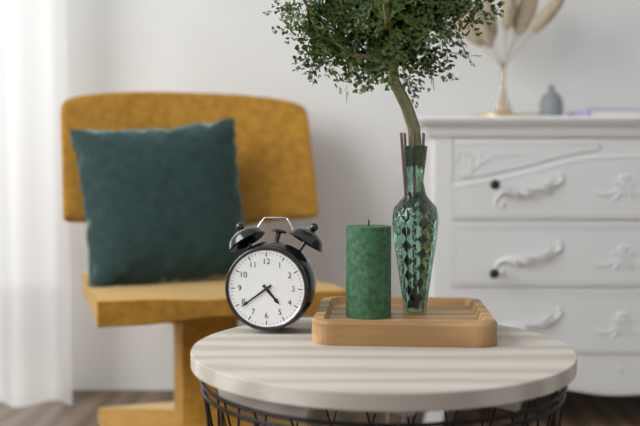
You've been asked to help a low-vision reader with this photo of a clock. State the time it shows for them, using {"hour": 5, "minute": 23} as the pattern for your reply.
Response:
{"hour": 4, "minute": 39}
